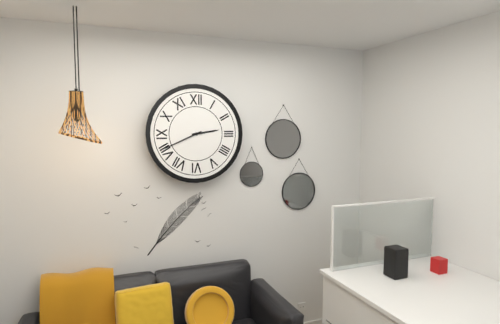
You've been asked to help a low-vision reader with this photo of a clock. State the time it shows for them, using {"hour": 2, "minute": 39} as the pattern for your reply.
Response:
{"hour": 2, "minute": 41}
